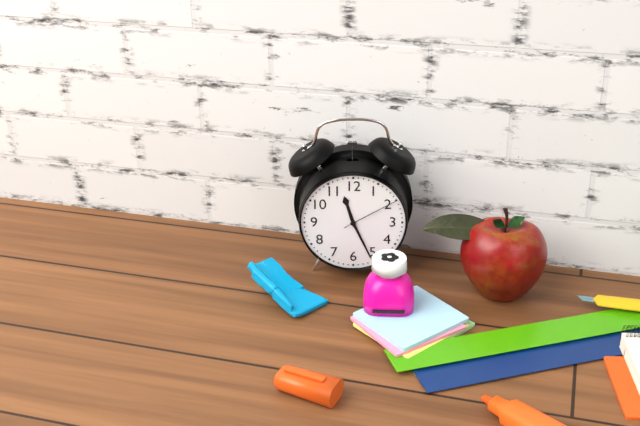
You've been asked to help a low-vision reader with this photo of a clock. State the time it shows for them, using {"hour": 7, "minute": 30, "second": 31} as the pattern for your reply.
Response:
{"hour": 11, "minute": 26, "second": 10}
